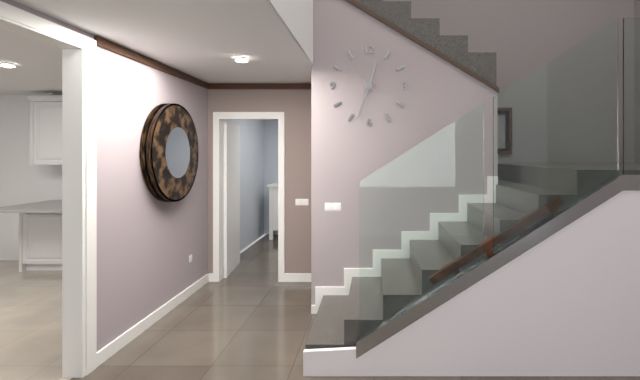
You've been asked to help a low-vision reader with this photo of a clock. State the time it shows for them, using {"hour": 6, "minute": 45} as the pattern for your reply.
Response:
{"hour": 12, "minute": 33}
